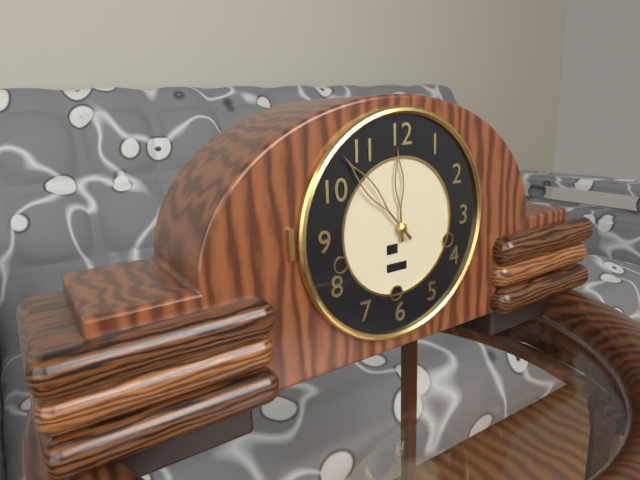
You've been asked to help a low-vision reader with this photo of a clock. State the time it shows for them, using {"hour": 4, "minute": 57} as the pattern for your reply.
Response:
{"hour": 11, "minute": 53}
